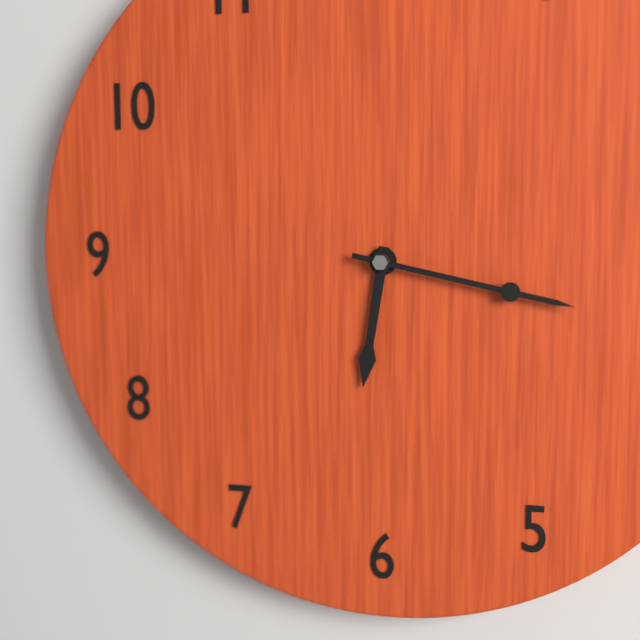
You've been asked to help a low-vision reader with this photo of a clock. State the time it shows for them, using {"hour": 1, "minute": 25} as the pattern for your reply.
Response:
{"hour": 6, "minute": 17}
